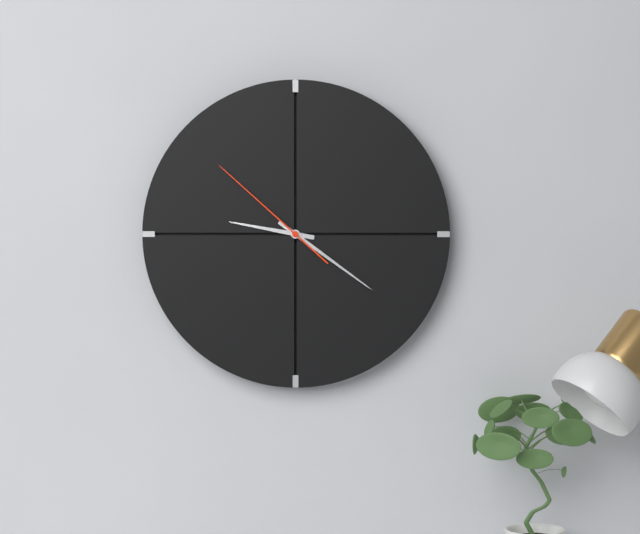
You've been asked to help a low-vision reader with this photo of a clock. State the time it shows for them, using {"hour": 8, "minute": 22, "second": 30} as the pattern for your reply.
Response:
{"hour": 9, "minute": 21, "second": 52}
